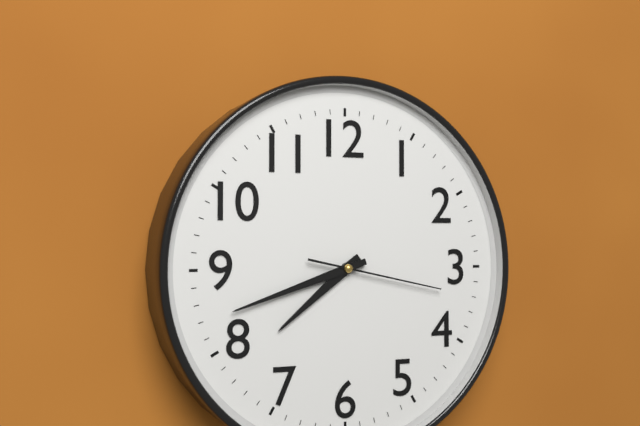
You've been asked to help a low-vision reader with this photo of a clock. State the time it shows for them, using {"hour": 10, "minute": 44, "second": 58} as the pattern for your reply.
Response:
{"hour": 7, "minute": 42, "second": 17}
